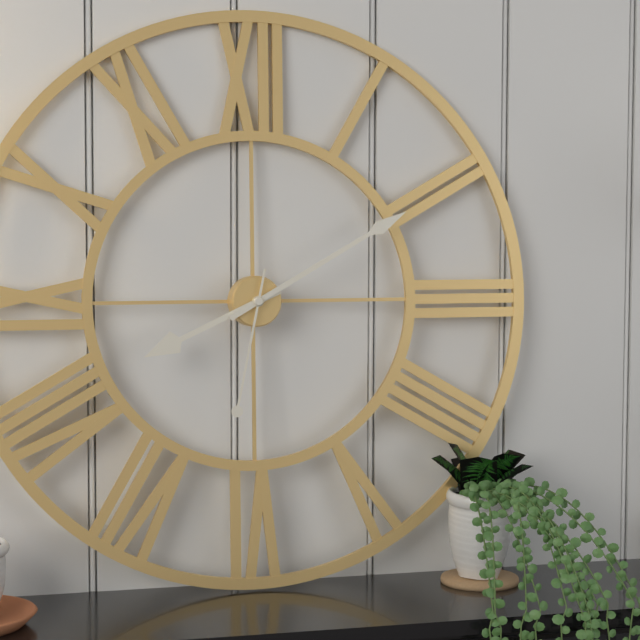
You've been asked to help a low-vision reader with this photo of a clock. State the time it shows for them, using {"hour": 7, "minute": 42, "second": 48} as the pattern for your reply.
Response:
{"hour": 8, "minute": 10, "second": 32}
